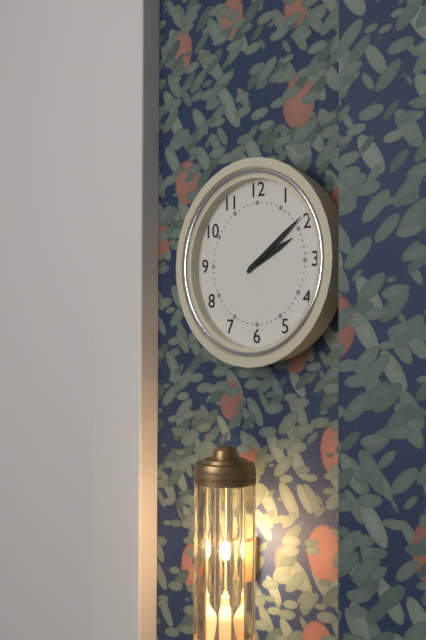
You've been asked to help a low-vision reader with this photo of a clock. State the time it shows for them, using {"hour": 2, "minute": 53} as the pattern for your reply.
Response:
{"hour": 2, "minute": 9}
